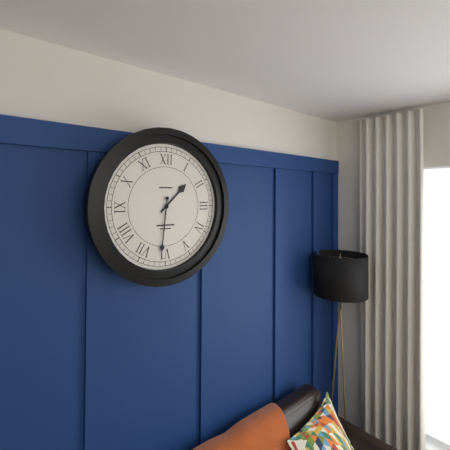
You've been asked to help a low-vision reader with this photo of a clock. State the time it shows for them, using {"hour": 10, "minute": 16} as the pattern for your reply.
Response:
{"hour": 1, "minute": 31}
